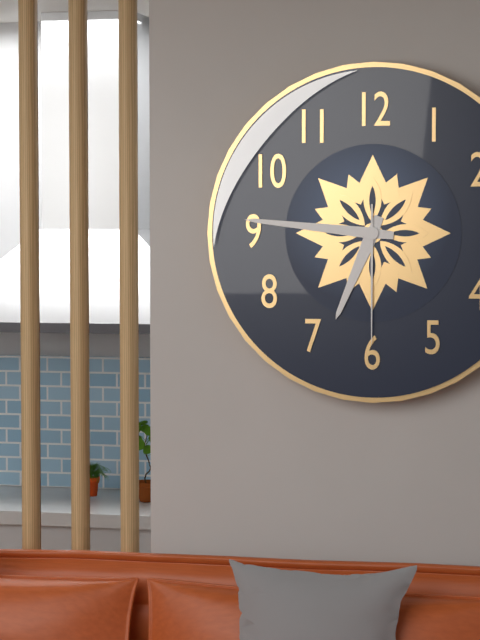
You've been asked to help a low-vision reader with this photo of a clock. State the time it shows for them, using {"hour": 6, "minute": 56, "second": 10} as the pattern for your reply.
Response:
{"hour": 6, "minute": 46, "second": 30}
